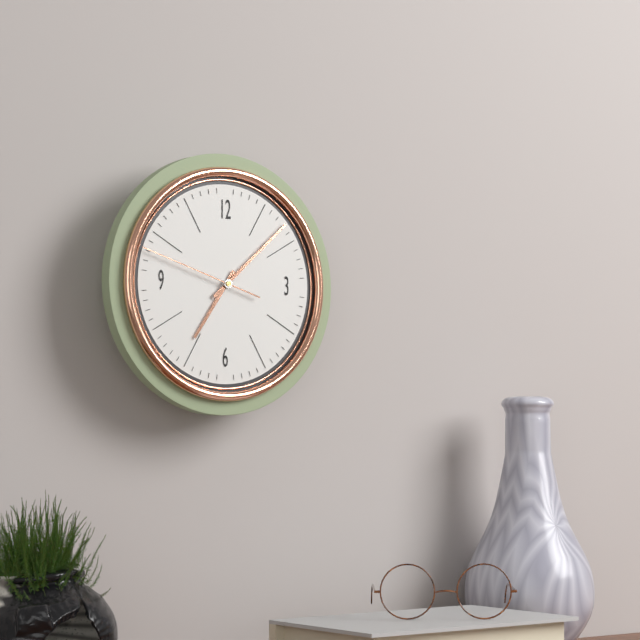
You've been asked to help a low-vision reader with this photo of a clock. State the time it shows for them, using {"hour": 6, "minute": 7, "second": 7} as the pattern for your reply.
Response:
{"hour": 7, "minute": 8, "second": 48}
